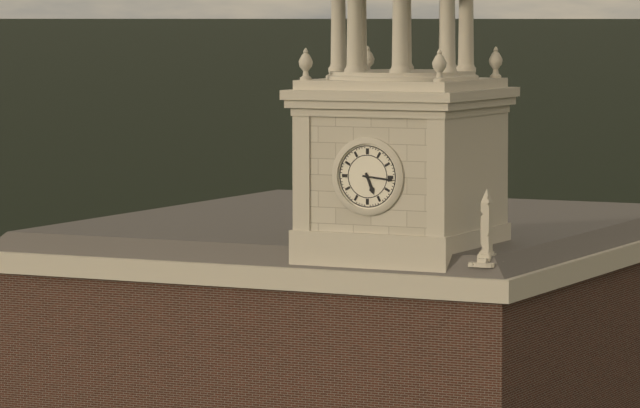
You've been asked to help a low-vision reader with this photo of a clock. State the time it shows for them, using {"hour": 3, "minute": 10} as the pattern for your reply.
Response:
{"hour": 5, "minute": 16}
